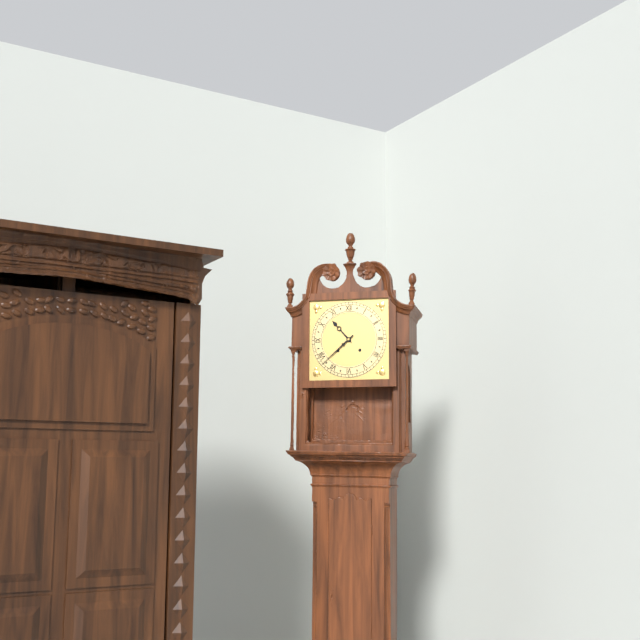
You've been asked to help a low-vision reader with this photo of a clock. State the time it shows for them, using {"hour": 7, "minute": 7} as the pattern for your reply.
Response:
{"hour": 10, "minute": 38}
